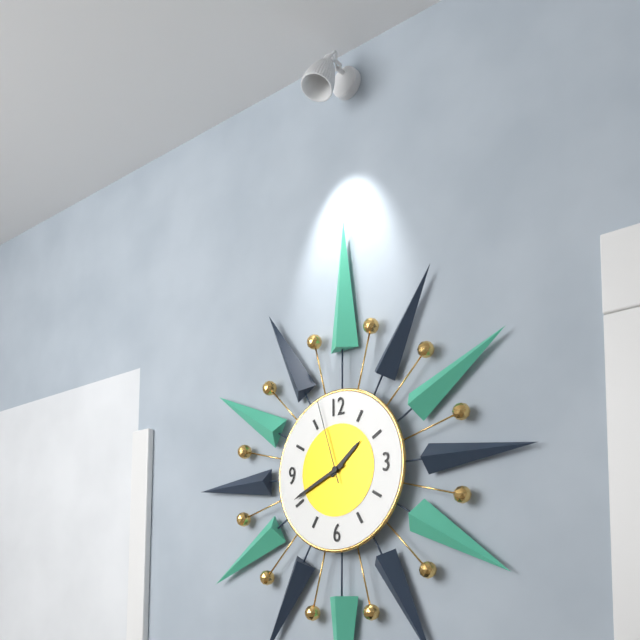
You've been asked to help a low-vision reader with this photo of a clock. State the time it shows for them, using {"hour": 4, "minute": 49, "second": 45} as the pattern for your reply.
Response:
{"hour": 1, "minute": 41, "second": 57}
